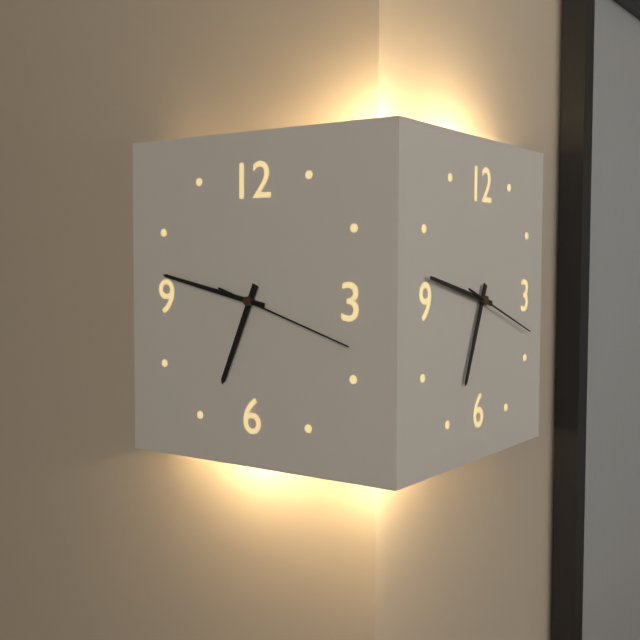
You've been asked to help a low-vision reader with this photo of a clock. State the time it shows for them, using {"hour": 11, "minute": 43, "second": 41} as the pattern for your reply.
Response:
{"hour": 6, "minute": 47, "second": 18}
